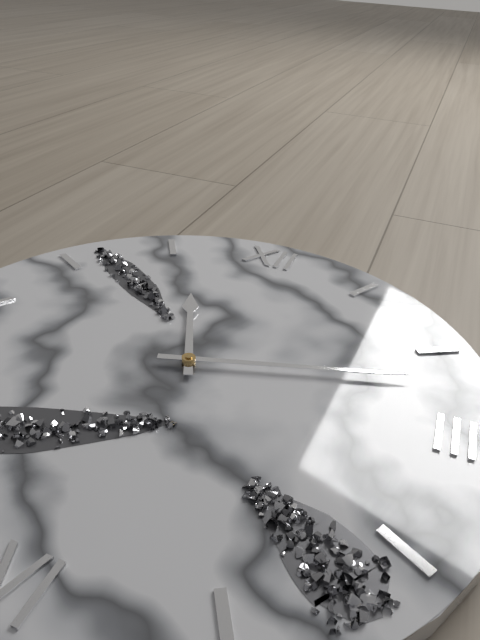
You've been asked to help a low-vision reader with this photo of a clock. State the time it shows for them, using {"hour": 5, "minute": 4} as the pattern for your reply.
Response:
{"hour": 11, "minute": 12}
